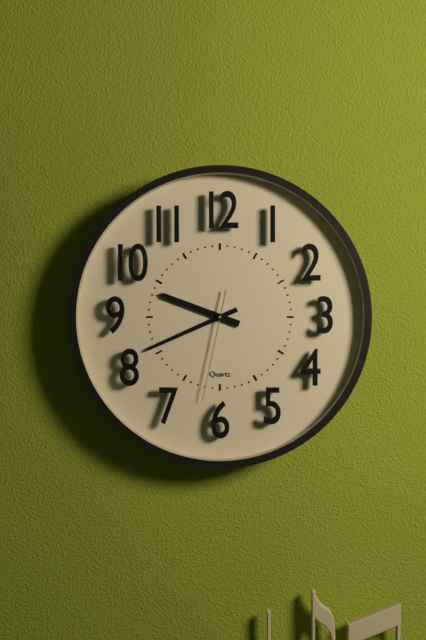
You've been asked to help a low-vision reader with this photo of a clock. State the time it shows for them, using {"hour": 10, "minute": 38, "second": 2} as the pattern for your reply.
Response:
{"hour": 9, "minute": 41, "second": 32}
